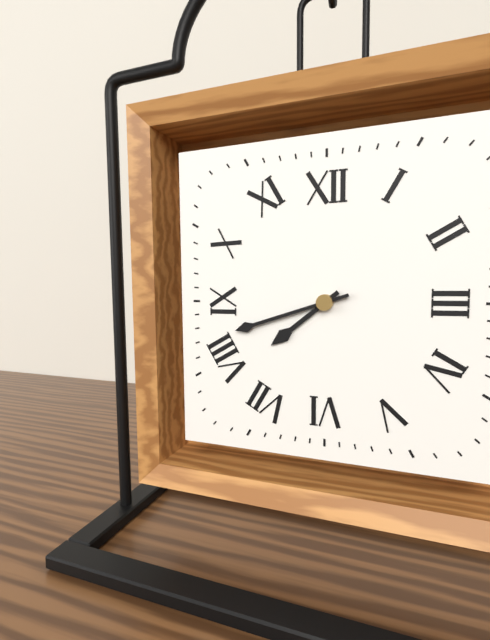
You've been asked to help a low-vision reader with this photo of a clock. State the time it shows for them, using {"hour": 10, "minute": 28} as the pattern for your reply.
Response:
{"hour": 7, "minute": 42}
